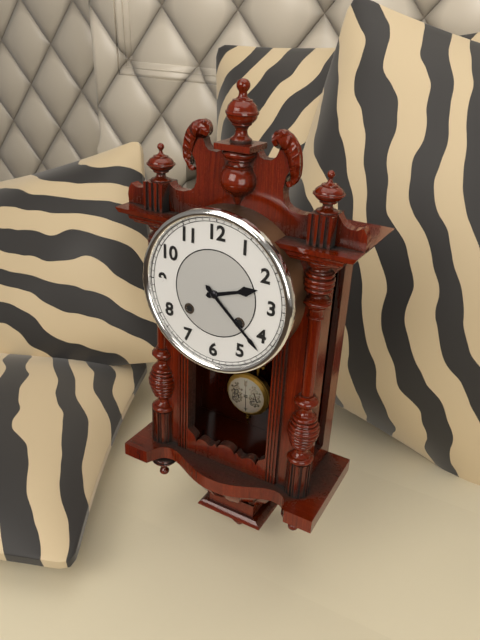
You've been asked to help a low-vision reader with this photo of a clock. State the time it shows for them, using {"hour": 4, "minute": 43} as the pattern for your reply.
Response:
{"hour": 2, "minute": 22}
